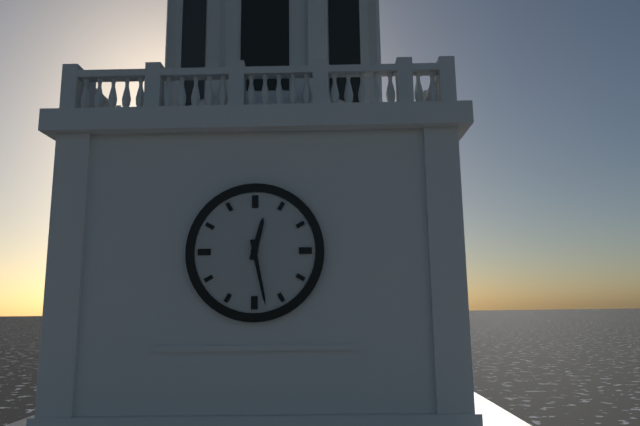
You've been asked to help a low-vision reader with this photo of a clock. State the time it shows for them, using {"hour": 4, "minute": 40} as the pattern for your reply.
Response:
{"hour": 12, "minute": 28}
